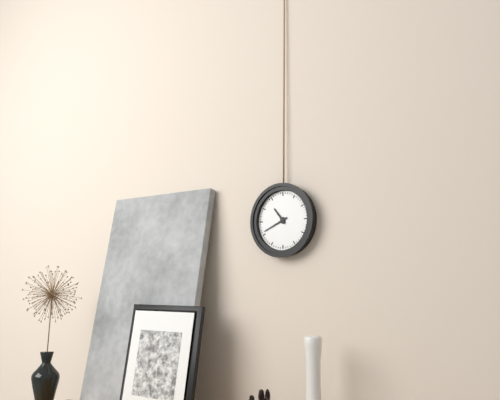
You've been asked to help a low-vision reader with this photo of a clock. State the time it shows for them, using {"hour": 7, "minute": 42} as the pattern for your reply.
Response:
{"hour": 10, "minute": 41}
